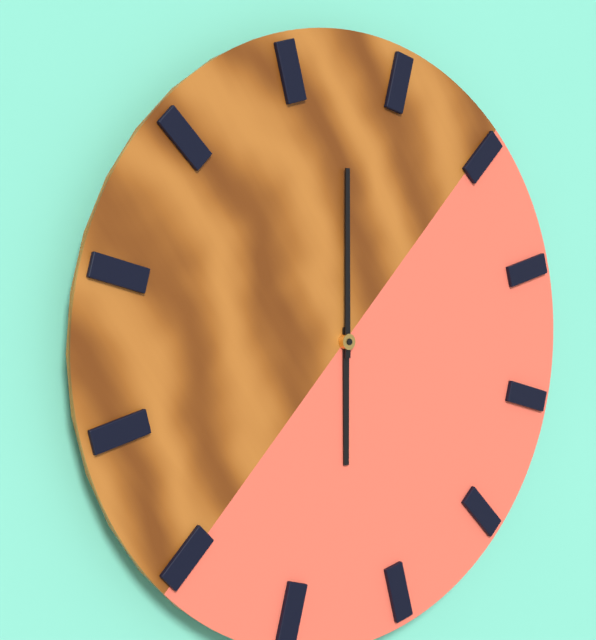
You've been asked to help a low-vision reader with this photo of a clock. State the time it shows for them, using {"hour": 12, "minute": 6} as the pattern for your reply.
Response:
{"hour": 6, "minute": 0}
